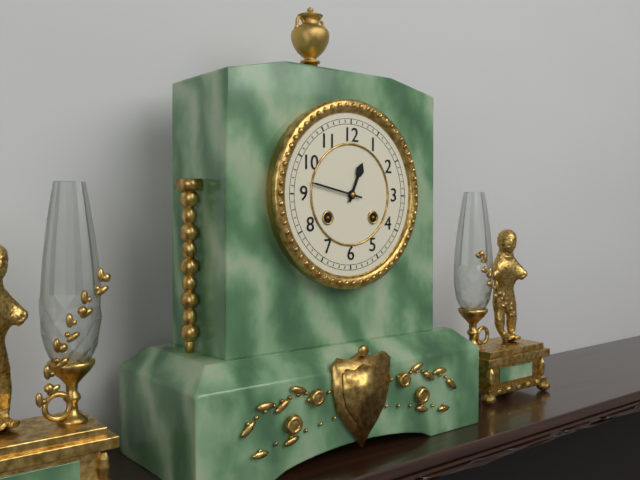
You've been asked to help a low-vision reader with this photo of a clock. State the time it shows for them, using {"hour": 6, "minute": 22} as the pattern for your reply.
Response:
{"hour": 12, "minute": 47}
